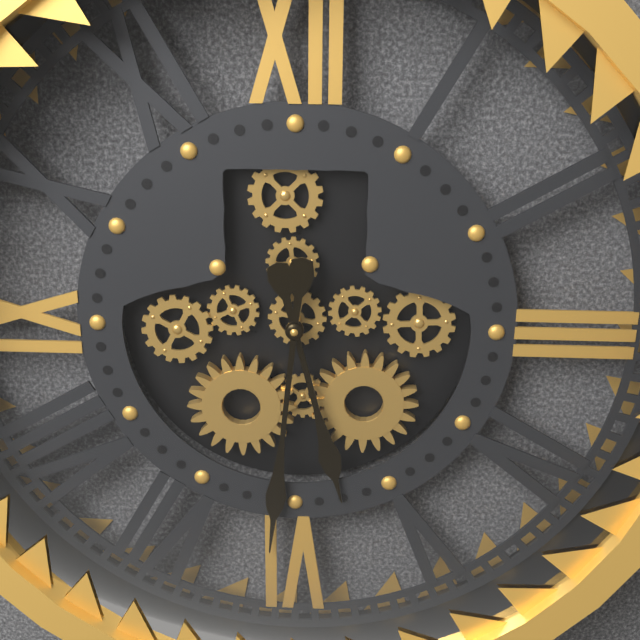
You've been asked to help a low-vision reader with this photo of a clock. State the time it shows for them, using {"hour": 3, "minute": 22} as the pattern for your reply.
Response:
{"hour": 5, "minute": 31}
